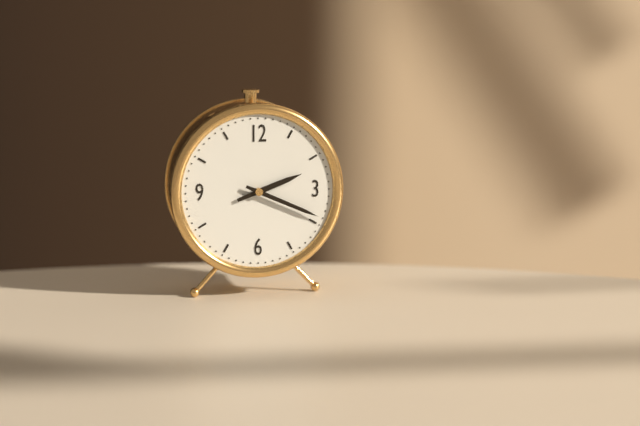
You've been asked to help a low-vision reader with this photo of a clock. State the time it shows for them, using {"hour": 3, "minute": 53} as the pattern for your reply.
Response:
{"hour": 2, "minute": 19}
